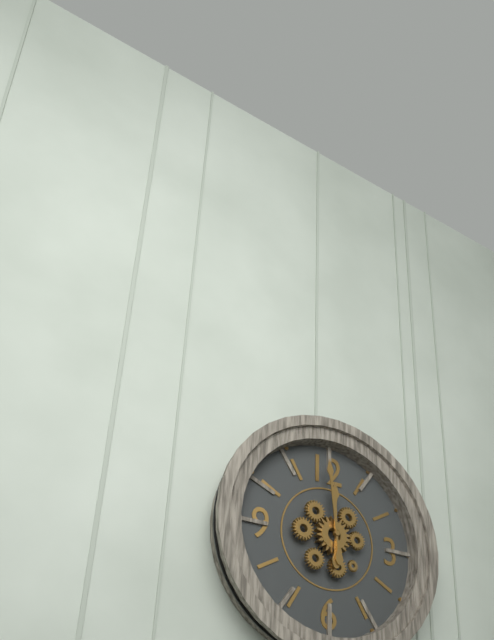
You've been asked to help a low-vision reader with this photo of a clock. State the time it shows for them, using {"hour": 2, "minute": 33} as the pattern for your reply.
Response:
{"hour": 11, "minute": 59}
